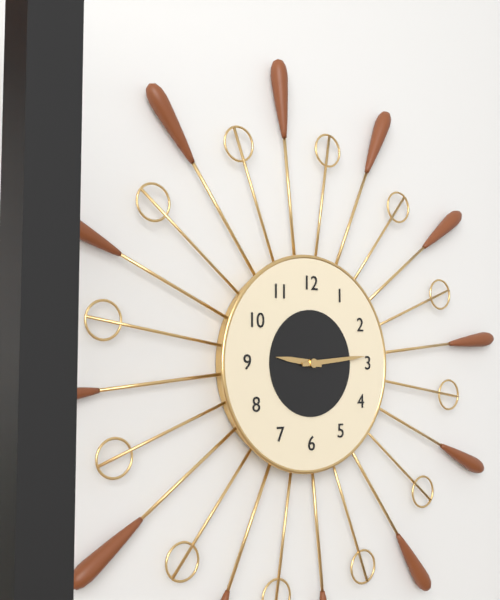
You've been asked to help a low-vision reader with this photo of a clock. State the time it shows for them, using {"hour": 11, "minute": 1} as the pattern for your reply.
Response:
{"hour": 9, "minute": 14}
